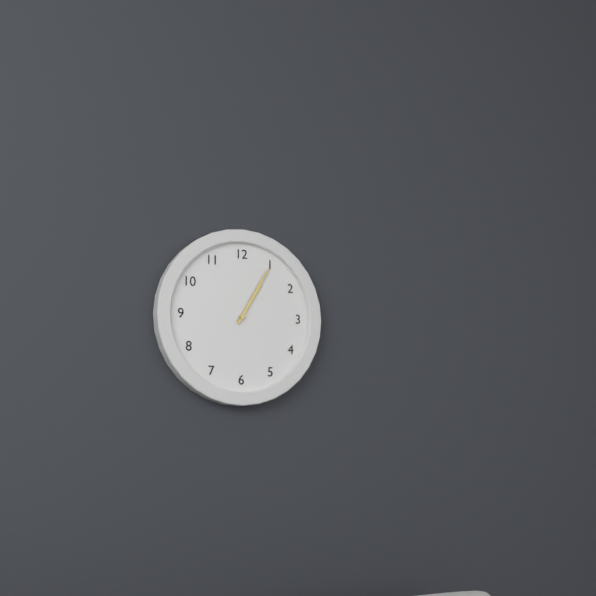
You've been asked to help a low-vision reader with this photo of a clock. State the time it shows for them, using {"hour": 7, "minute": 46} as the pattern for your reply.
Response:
{"hour": 1, "minute": 5}
